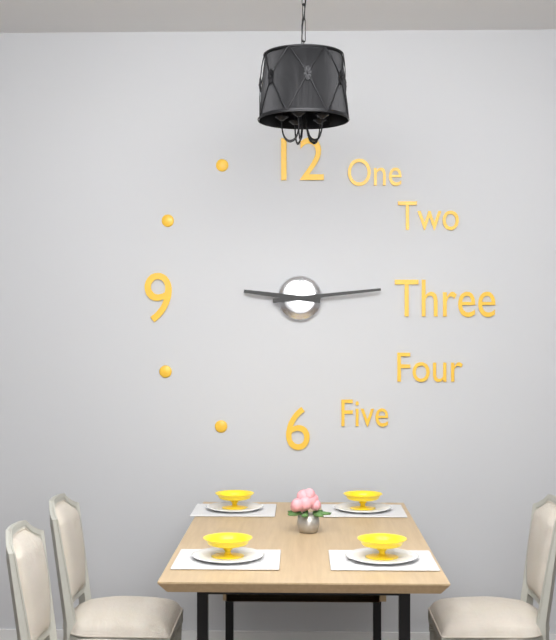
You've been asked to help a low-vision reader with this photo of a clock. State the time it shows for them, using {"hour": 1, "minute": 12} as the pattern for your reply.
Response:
{"hour": 9, "minute": 14}
